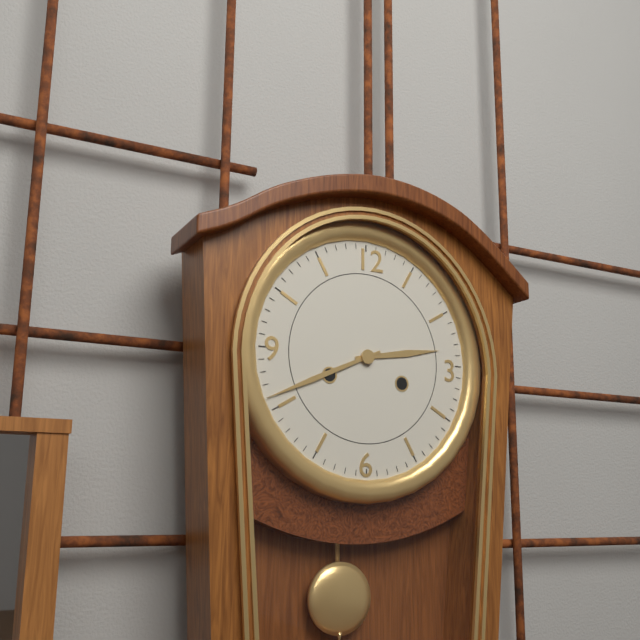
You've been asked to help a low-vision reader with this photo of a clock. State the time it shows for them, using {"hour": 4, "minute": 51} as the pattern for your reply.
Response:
{"hour": 2, "minute": 41}
